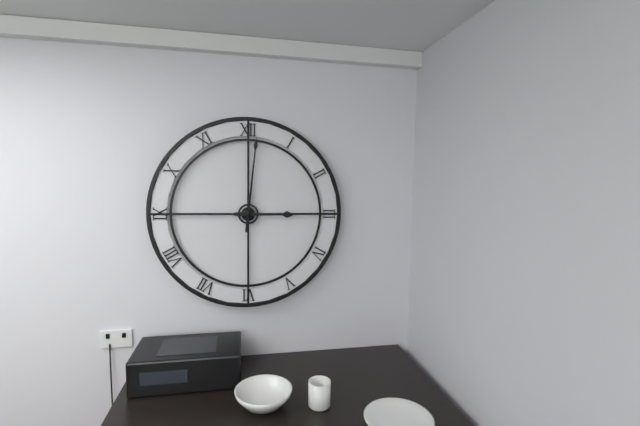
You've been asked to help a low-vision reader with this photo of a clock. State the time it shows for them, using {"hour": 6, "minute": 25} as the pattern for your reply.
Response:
{"hour": 3, "minute": 1}
